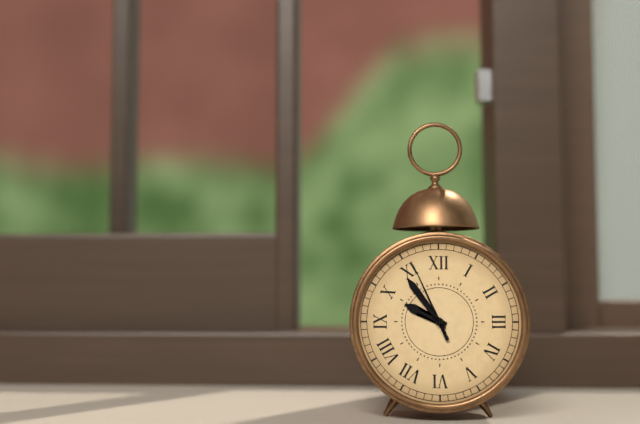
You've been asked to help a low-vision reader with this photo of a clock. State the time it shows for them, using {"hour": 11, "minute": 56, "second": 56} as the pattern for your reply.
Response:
{"hour": 9, "minute": 54, "second": 56}
